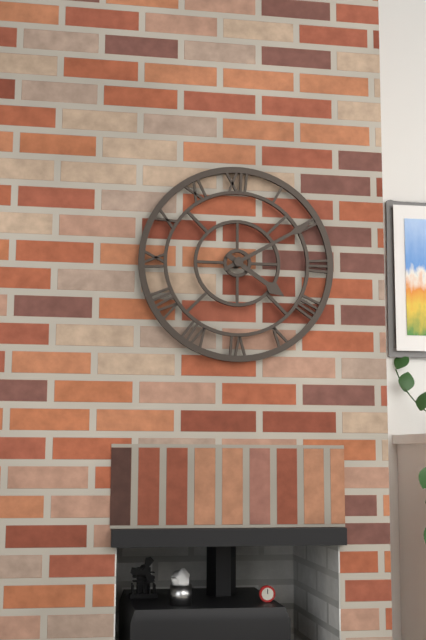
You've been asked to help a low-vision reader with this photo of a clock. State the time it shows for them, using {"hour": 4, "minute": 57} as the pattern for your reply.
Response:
{"hour": 4, "minute": 10}
